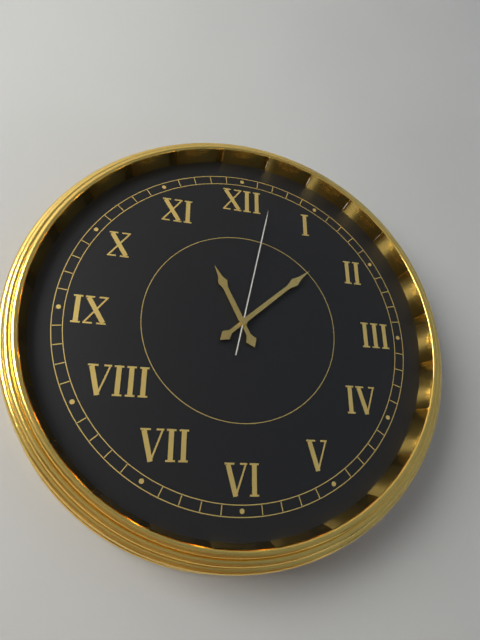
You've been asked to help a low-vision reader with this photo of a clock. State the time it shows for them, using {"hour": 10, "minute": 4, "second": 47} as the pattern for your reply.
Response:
{"hour": 11, "minute": 8, "second": 2}
